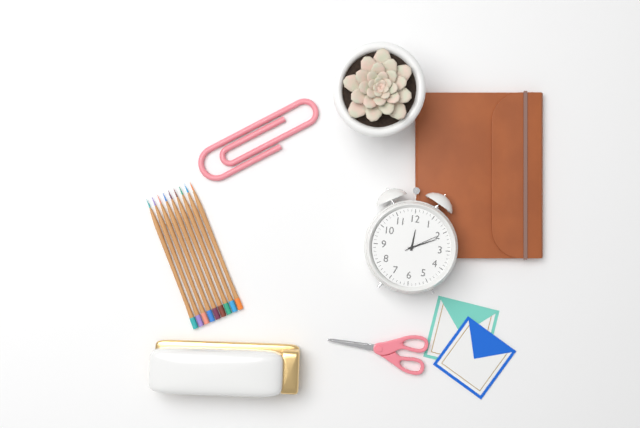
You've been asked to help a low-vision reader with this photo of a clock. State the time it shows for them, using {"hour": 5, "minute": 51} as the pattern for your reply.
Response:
{"hour": 12, "minute": 11}
